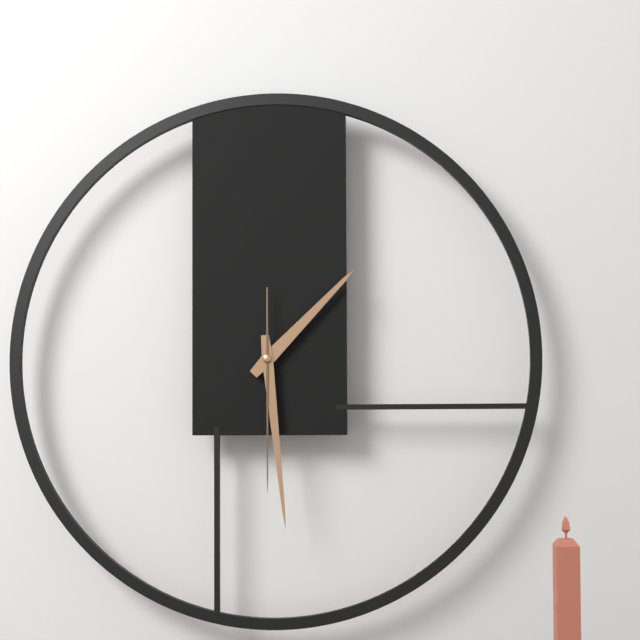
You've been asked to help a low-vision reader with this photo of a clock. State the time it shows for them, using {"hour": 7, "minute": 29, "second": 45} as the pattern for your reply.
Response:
{"hour": 1, "minute": 29, "second": 30}
